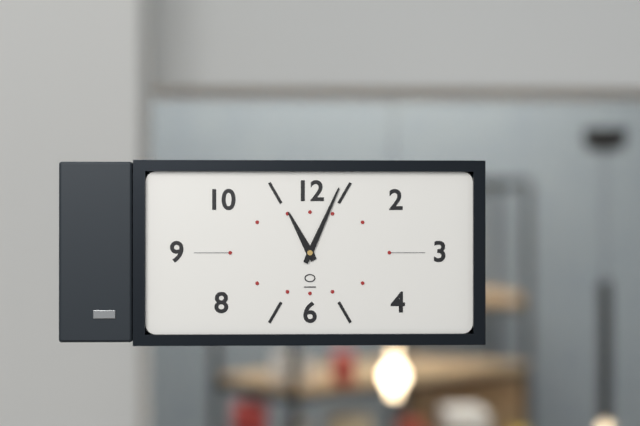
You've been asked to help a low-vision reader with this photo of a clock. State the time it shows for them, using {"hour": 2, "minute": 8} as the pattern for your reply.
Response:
{"hour": 11, "minute": 4}
